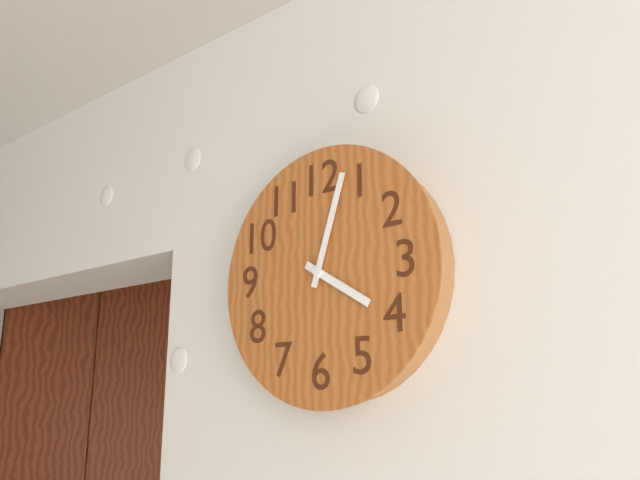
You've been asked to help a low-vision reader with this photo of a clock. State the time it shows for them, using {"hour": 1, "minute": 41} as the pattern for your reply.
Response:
{"hour": 4, "minute": 3}
